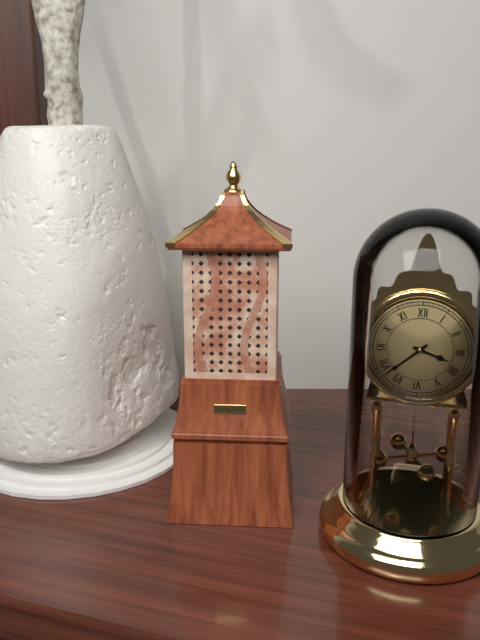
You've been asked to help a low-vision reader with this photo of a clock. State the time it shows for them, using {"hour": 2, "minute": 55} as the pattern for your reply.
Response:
{"hour": 3, "minute": 38}
